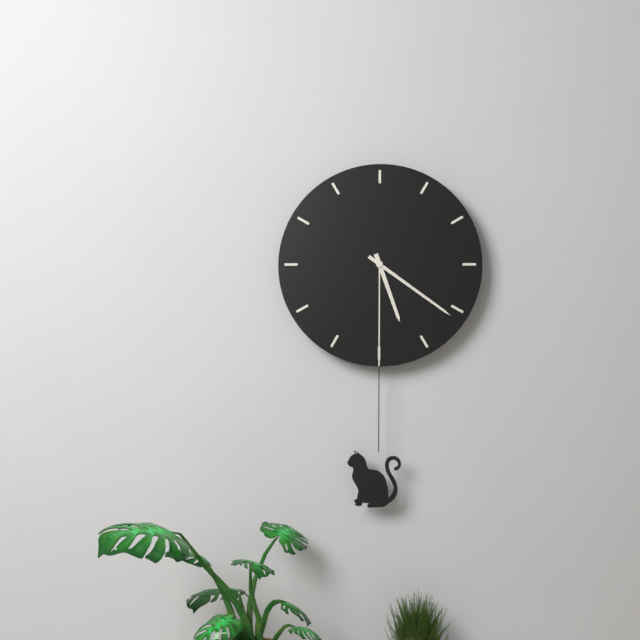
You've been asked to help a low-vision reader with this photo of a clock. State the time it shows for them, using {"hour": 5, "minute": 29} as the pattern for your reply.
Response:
{"hour": 5, "minute": 21}
